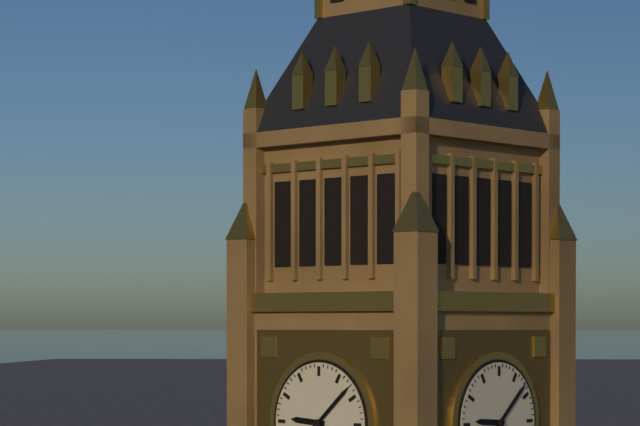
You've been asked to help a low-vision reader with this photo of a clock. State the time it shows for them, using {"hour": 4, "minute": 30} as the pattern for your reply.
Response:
{"hour": 9, "minute": 8}
